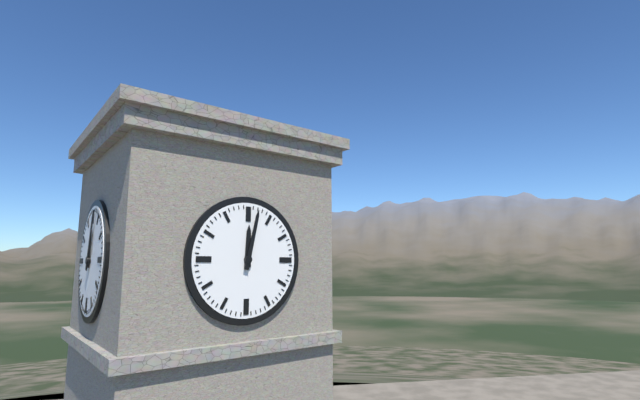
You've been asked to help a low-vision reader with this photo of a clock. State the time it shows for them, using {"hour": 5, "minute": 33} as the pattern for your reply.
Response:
{"hour": 12, "minute": 2}
